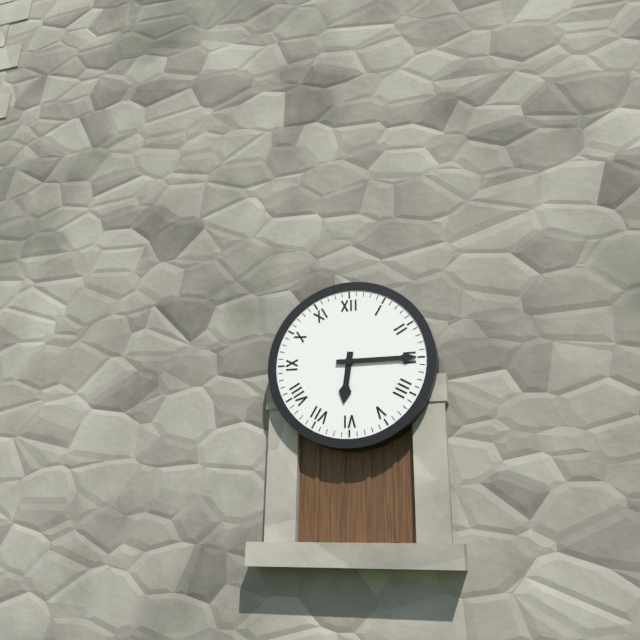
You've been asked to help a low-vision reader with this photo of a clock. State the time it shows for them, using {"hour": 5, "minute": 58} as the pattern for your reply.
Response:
{"hour": 6, "minute": 15}
